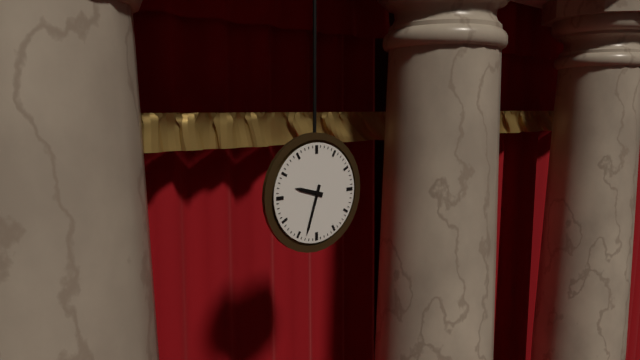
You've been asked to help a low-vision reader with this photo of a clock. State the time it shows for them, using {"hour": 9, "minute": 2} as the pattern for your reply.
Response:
{"hour": 9, "minute": 33}
